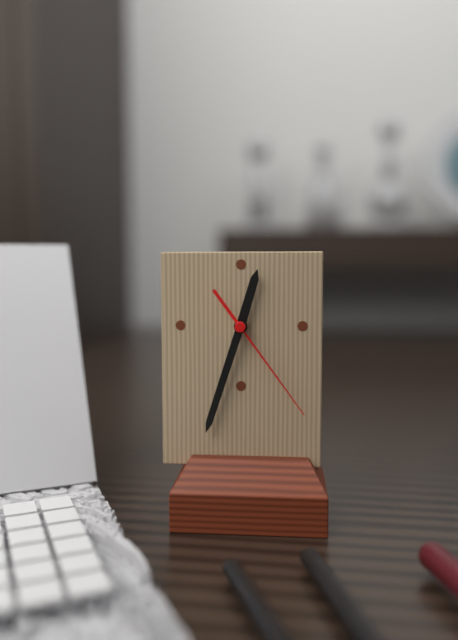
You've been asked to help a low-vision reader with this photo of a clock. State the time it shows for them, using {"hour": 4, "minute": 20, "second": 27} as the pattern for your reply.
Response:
{"hour": 12, "minute": 33, "second": 24}
